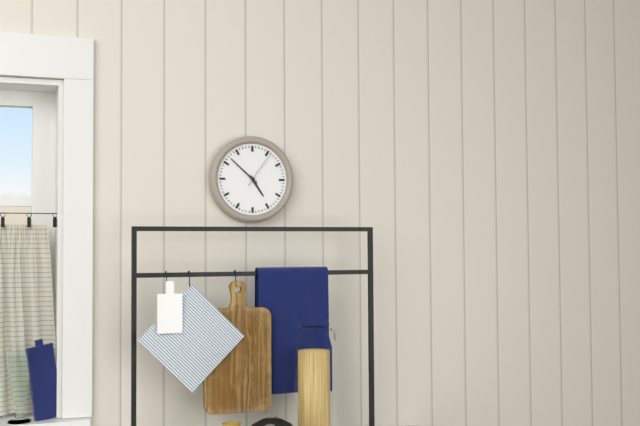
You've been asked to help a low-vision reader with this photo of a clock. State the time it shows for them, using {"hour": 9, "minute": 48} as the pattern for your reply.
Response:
{"hour": 4, "minute": 52}
